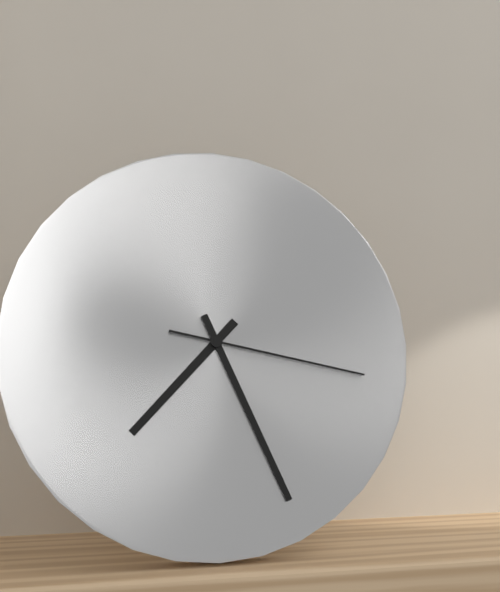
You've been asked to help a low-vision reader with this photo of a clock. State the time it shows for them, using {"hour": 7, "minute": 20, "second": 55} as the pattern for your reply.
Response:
{"hour": 7, "minute": 26, "second": 17}
